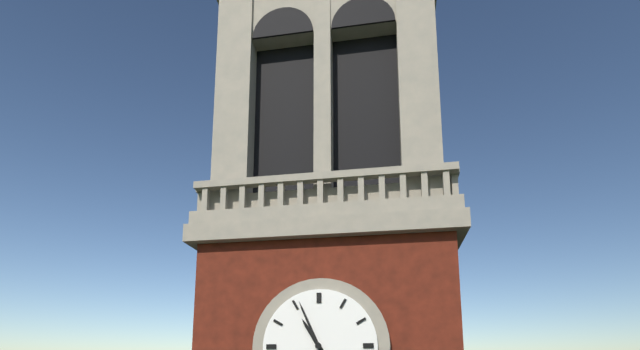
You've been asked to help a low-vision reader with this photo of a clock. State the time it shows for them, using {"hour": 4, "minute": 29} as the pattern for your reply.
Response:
{"hour": 10, "minute": 56}
